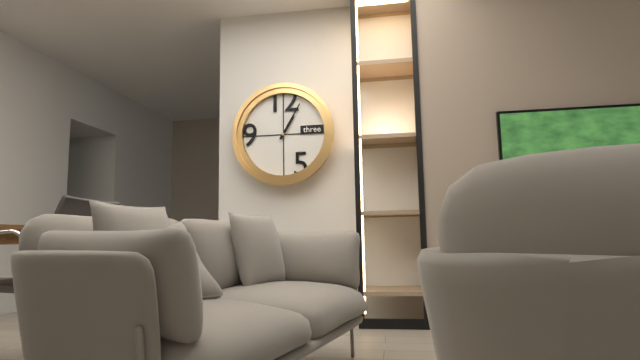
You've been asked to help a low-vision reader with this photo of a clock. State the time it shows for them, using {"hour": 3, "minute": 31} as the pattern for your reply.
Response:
{"hour": 1, "minute": 5}
